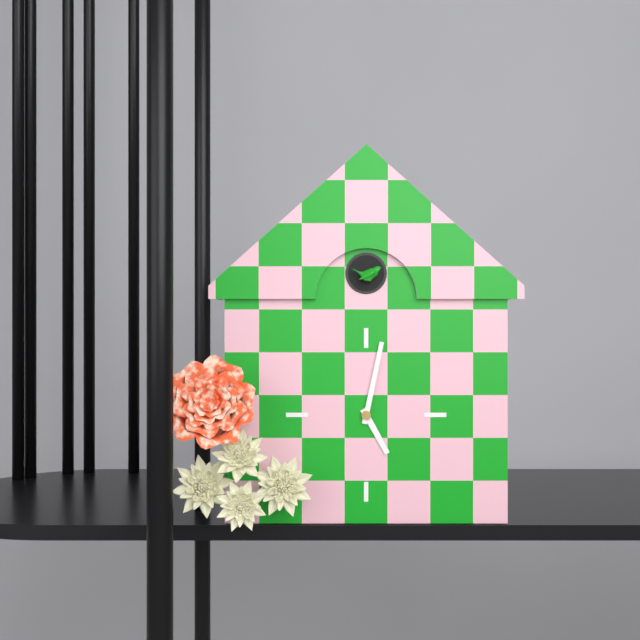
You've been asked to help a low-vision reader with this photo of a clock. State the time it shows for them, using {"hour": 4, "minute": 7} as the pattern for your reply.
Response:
{"hour": 5, "minute": 2}
